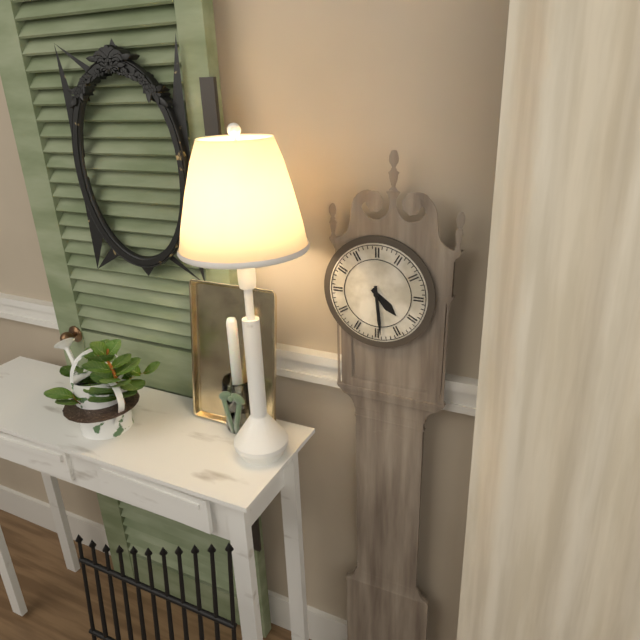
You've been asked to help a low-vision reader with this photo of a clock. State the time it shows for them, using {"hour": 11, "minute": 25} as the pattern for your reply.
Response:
{"hour": 4, "minute": 29}
